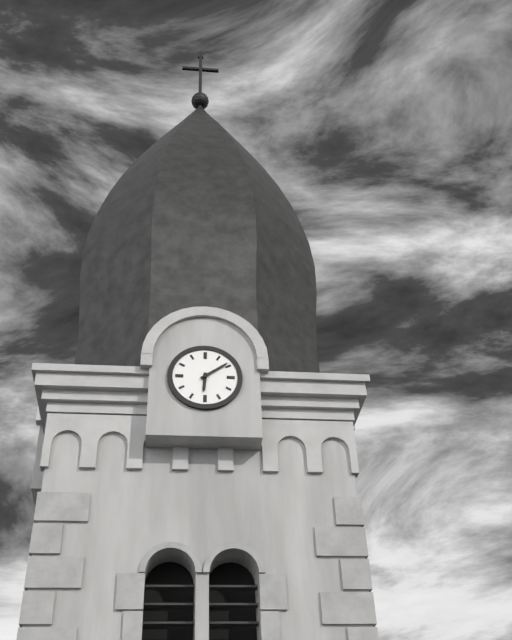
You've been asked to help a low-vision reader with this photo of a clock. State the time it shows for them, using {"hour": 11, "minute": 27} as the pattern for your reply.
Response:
{"hour": 6, "minute": 9}
